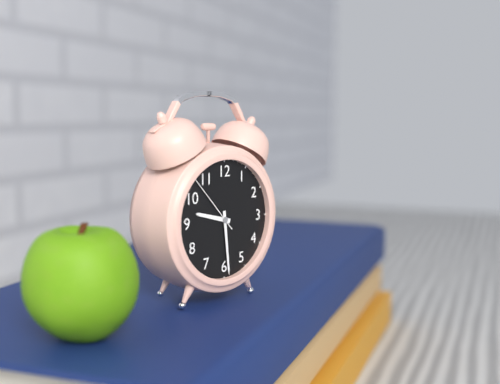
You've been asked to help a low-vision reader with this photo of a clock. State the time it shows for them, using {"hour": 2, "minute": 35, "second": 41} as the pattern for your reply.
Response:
{"hour": 9, "minute": 29, "second": 53}
